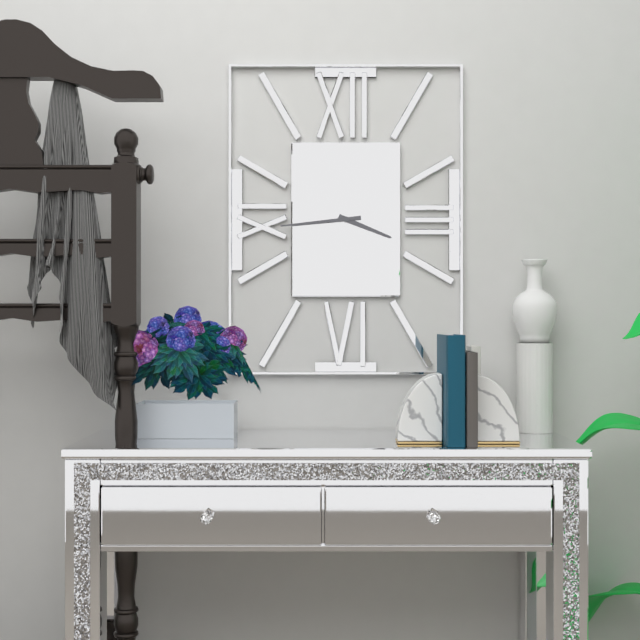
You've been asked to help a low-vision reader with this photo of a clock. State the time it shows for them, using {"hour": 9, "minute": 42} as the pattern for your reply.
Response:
{"hour": 3, "minute": 44}
